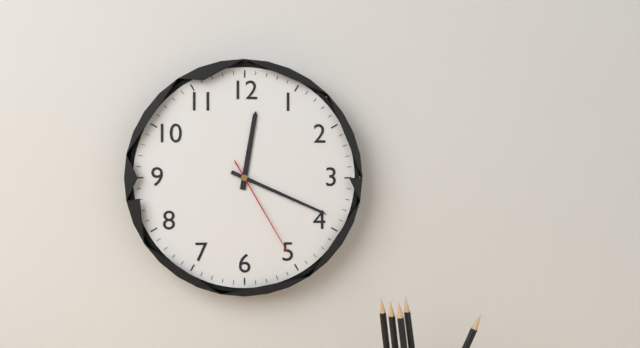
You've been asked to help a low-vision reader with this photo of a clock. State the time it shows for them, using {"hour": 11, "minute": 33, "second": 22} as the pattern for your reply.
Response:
{"hour": 12, "minute": 19, "second": 25}
